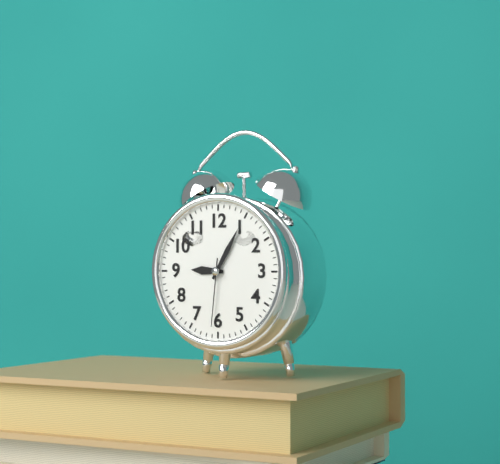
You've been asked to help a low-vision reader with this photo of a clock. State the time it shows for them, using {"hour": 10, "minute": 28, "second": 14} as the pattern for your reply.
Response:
{"hour": 9, "minute": 5, "second": 31}
